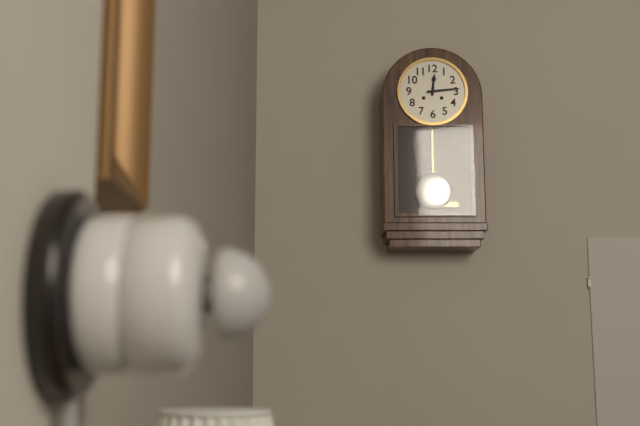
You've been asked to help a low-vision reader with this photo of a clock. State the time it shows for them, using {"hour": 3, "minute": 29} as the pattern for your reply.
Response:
{"hour": 12, "minute": 14}
